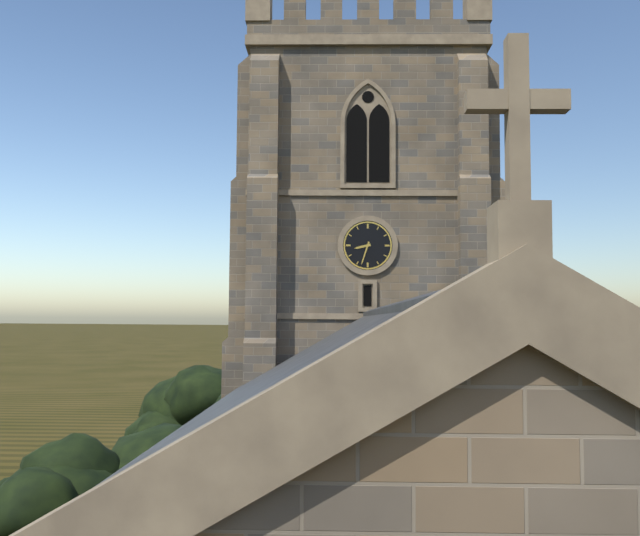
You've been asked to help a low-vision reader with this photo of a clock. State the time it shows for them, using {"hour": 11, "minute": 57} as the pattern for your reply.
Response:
{"hour": 8, "minute": 33}
